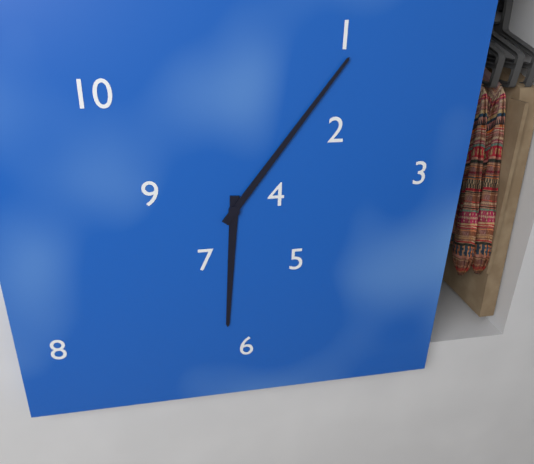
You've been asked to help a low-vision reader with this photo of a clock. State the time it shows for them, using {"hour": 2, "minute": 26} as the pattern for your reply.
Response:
{"hour": 6, "minute": 6}
